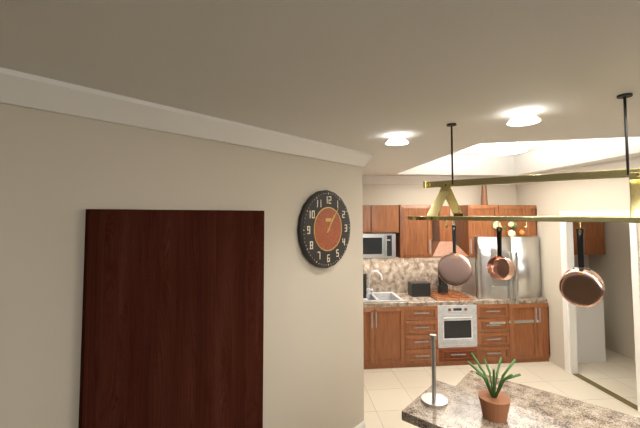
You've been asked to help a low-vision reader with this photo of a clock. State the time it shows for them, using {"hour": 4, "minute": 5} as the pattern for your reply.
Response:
{"hour": 1, "minute": 6}
